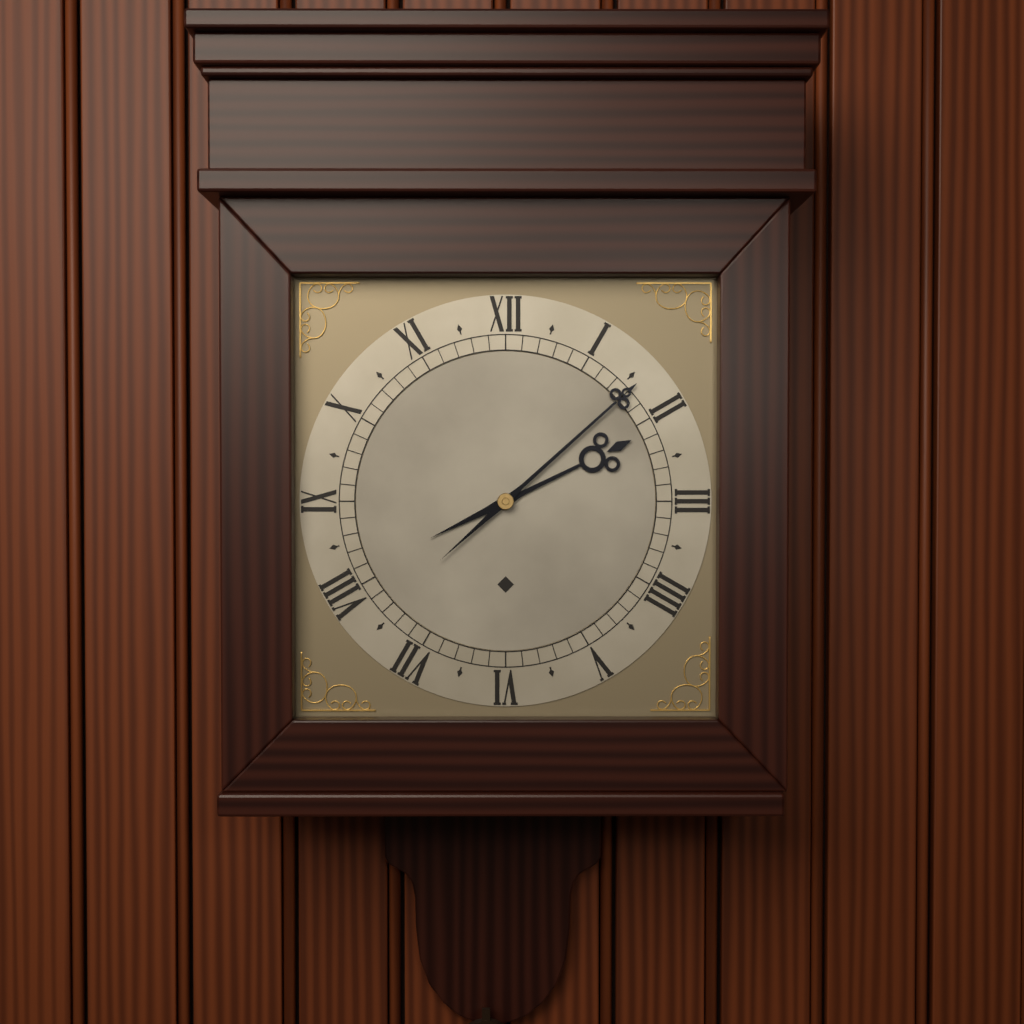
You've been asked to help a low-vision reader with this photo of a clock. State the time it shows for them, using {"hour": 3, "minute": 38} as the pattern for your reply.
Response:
{"hour": 2, "minute": 8}
